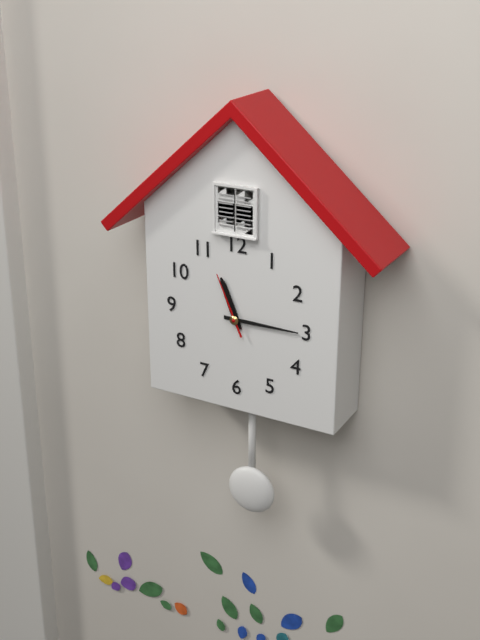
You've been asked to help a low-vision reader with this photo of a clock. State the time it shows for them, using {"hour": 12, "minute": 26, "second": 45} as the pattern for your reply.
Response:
{"hour": 11, "minute": 15, "second": 56}
